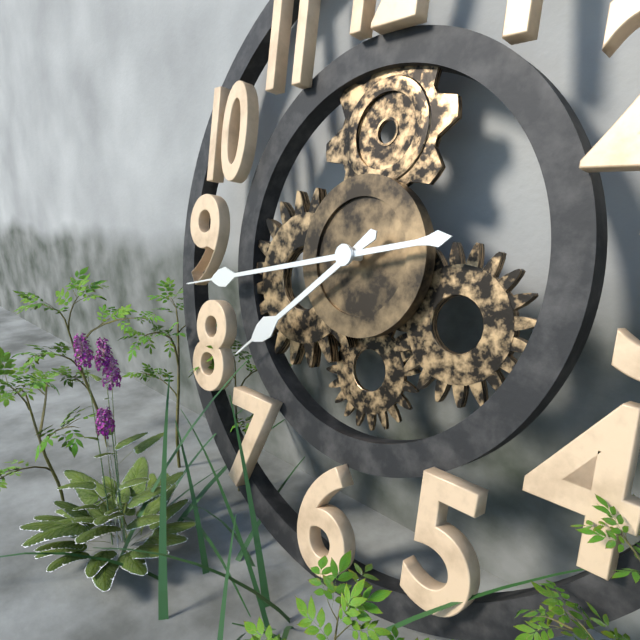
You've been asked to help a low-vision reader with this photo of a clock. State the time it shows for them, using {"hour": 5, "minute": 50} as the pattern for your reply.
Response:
{"hour": 7, "minute": 43}
